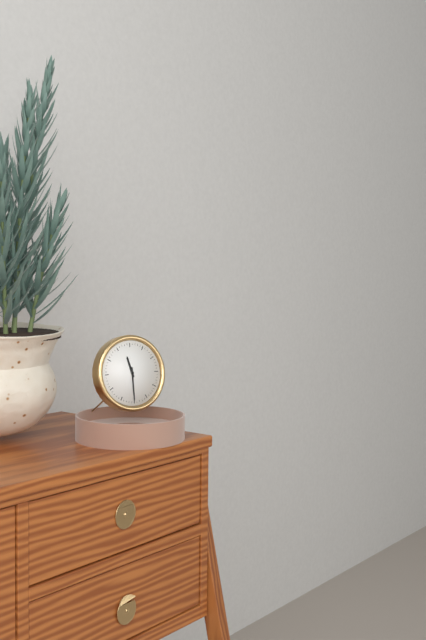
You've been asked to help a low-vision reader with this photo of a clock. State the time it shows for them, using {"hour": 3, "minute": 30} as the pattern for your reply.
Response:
{"hour": 11, "minute": 30}
